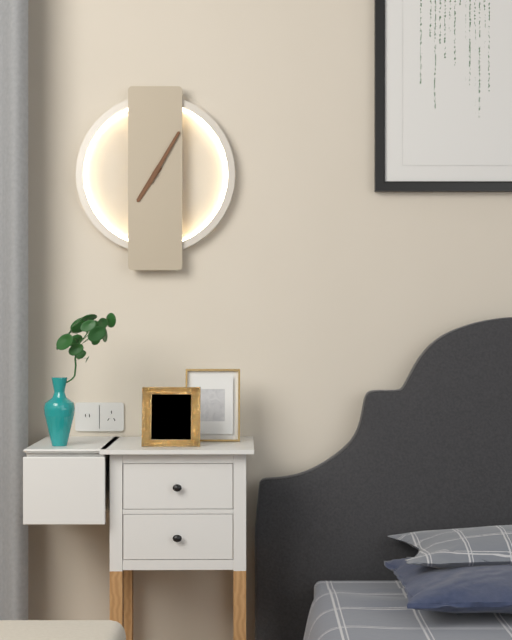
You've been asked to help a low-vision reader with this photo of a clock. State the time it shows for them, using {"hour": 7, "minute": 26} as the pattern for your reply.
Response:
{"hour": 7, "minute": 5}
